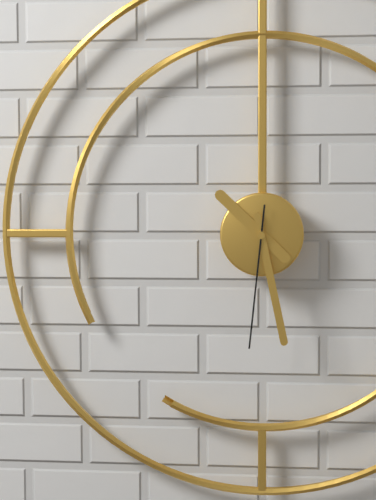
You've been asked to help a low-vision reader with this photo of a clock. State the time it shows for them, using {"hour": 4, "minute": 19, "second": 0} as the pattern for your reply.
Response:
{"hour": 10, "minute": 28, "second": 31}
